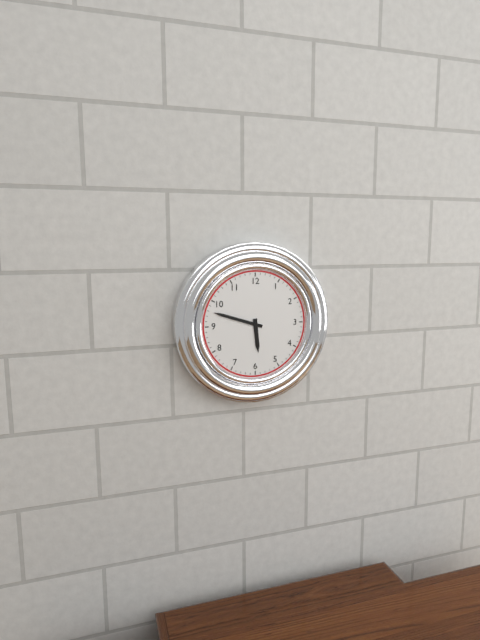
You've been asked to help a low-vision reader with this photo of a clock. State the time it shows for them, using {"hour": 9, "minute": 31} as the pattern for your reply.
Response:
{"hour": 5, "minute": 48}
